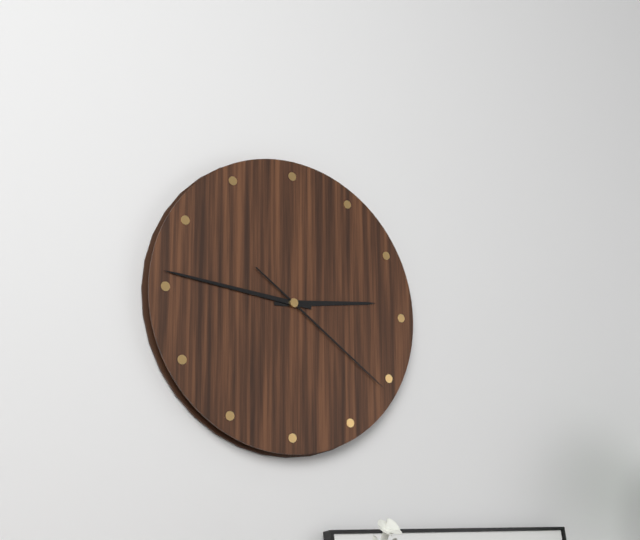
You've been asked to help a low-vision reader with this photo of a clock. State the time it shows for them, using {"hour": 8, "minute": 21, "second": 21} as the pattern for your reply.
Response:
{"hour": 2, "minute": 46, "second": 21}
